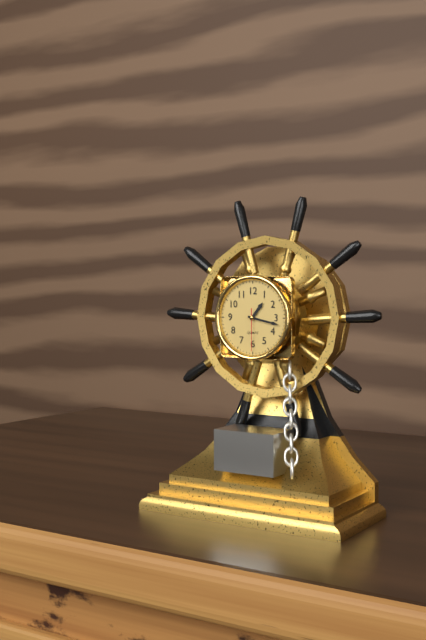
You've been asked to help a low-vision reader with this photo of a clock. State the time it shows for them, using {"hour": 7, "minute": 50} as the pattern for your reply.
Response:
{"hour": 1, "minute": 17}
